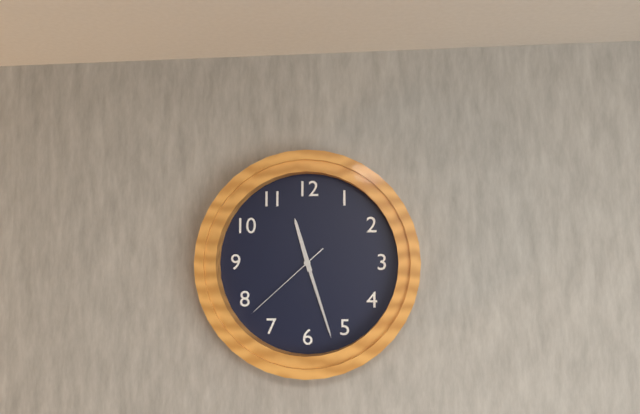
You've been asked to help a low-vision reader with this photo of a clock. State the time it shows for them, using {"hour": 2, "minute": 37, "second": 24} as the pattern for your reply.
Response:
{"hour": 11, "minute": 27, "second": 38}
